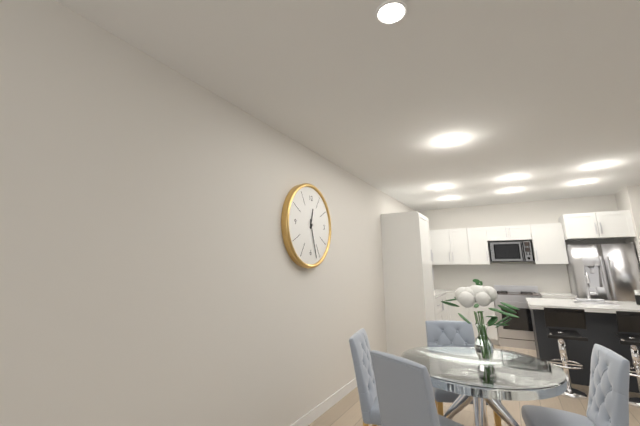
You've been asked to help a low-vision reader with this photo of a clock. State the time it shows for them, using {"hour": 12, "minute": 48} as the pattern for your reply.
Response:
{"hour": 12, "minute": 27}
